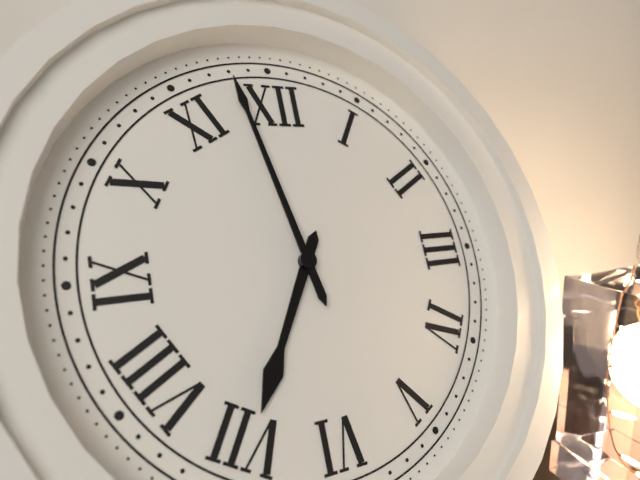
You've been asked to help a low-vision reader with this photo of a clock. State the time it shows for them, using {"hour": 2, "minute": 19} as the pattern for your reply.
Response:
{"hour": 6, "minute": 58}
